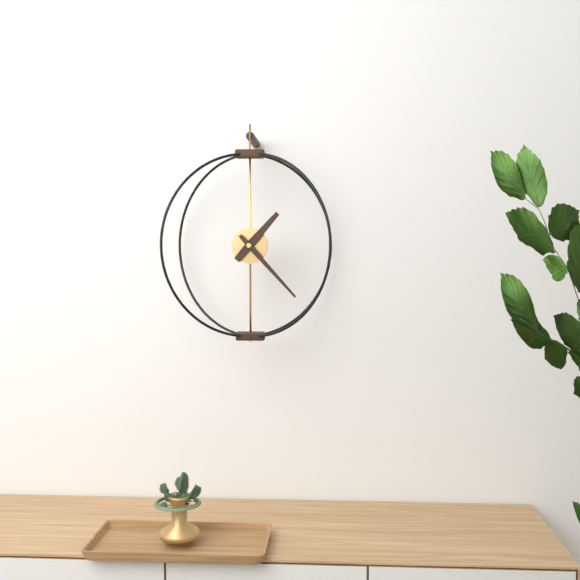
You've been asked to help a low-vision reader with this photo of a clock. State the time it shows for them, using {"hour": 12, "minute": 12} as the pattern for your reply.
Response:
{"hour": 1, "minute": 23}
